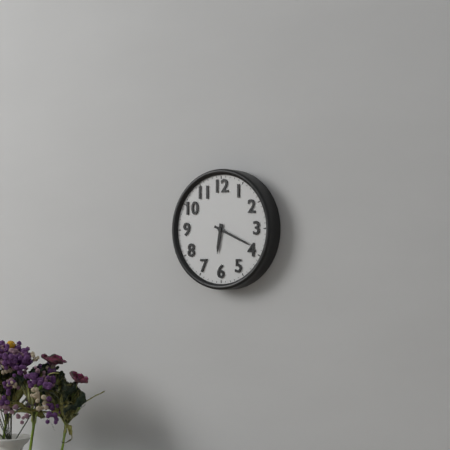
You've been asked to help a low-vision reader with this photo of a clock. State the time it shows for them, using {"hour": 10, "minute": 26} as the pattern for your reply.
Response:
{"hour": 6, "minute": 19}
